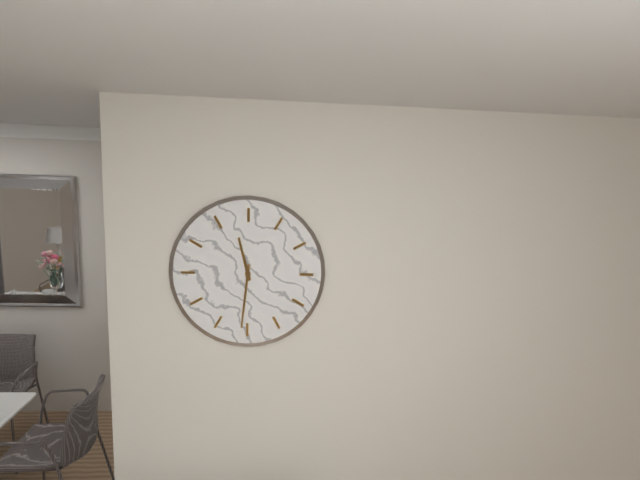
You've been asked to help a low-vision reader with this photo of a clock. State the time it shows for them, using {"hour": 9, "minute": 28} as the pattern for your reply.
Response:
{"hour": 11, "minute": 31}
